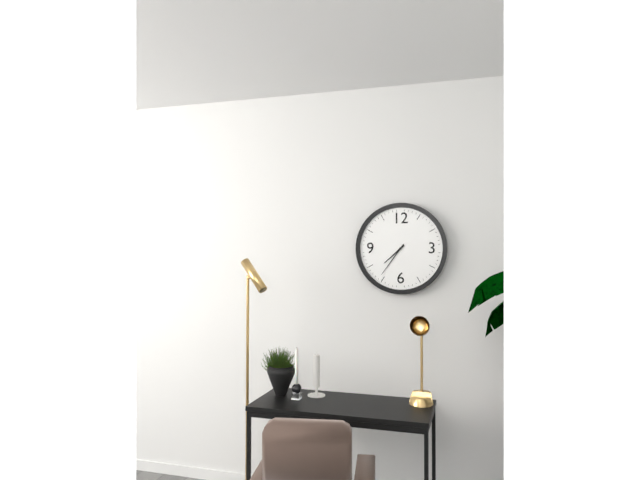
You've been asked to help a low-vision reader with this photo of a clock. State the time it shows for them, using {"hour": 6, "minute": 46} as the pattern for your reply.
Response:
{"hour": 7, "minute": 36}
